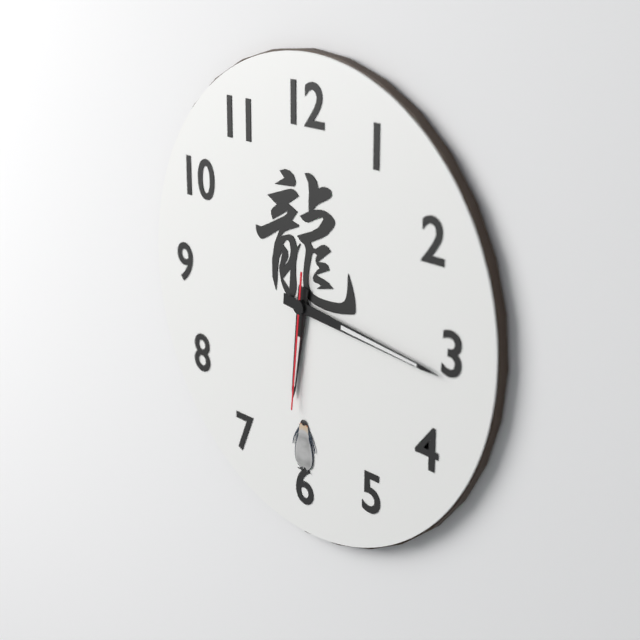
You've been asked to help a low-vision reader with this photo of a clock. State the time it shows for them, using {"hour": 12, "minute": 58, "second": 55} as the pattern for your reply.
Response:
{"hour": 6, "minute": 16, "second": 31}
